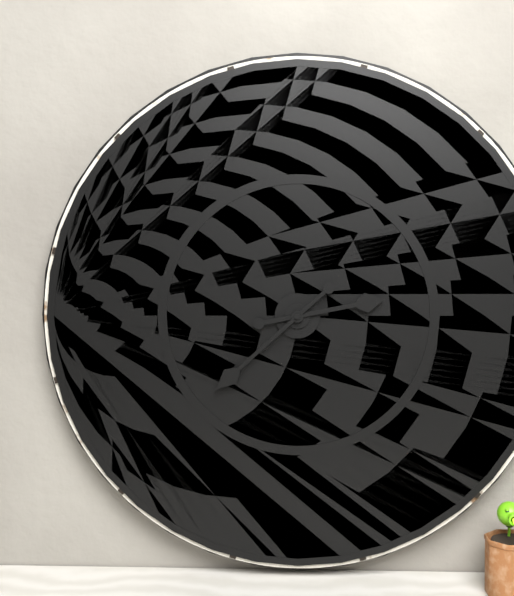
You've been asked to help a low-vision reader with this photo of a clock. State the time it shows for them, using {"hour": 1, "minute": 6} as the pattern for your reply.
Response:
{"hour": 2, "minute": 38}
